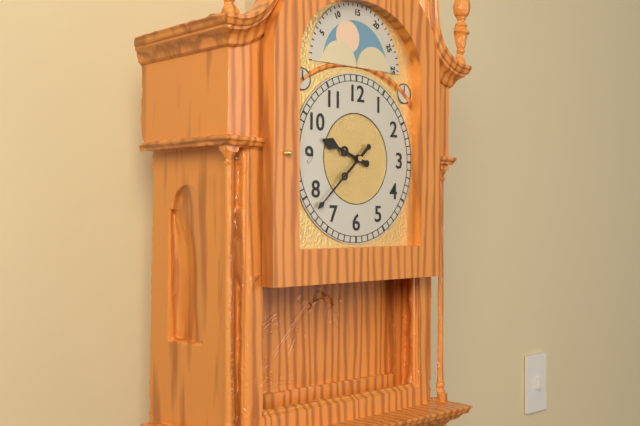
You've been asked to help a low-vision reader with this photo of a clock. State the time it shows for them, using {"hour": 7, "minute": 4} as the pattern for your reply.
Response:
{"hour": 9, "minute": 38}
